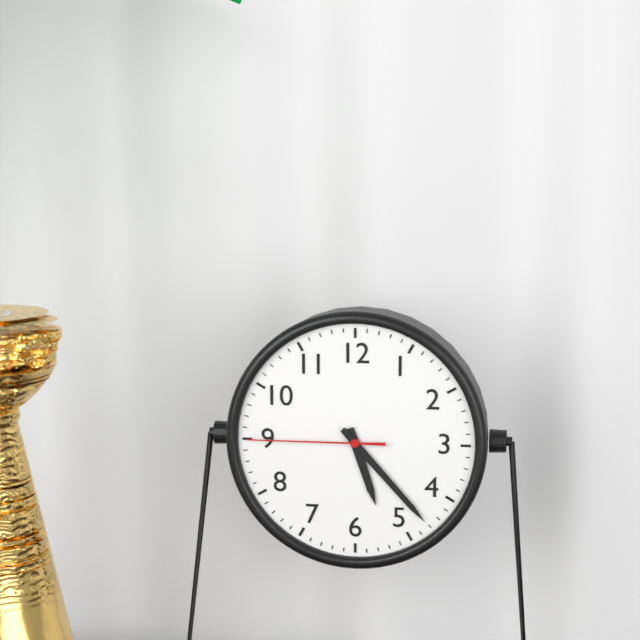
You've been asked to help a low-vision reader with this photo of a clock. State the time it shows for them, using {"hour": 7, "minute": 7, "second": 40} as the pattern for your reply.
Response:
{"hour": 5, "minute": 23, "second": 45}
